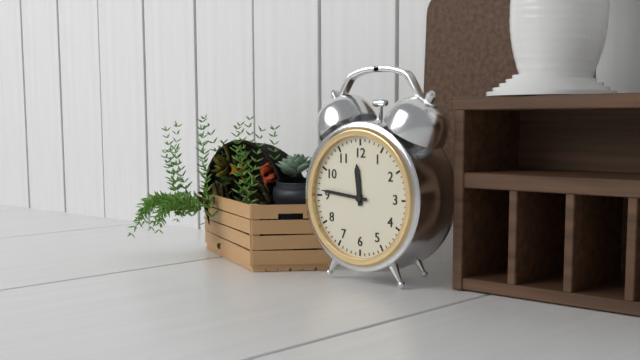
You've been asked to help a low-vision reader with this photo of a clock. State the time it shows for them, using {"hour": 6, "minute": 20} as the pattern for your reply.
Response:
{"hour": 11, "minute": 46}
